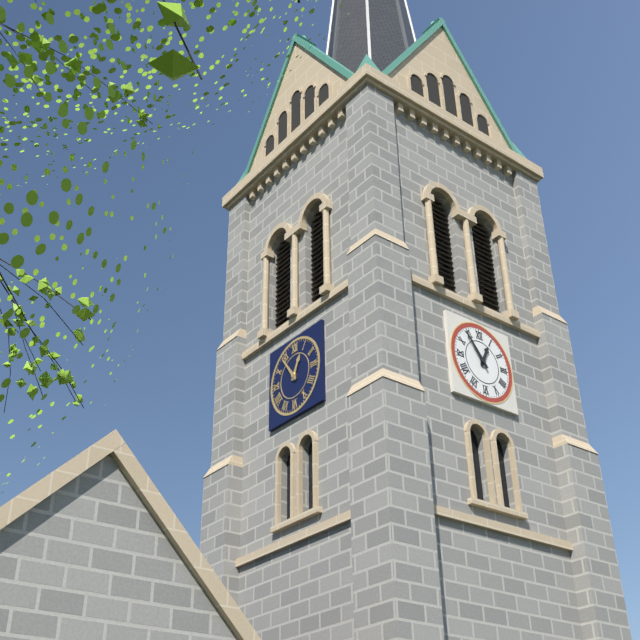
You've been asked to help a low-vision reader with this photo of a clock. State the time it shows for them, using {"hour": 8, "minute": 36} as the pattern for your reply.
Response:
{"hour": 12, "minute": 54}
